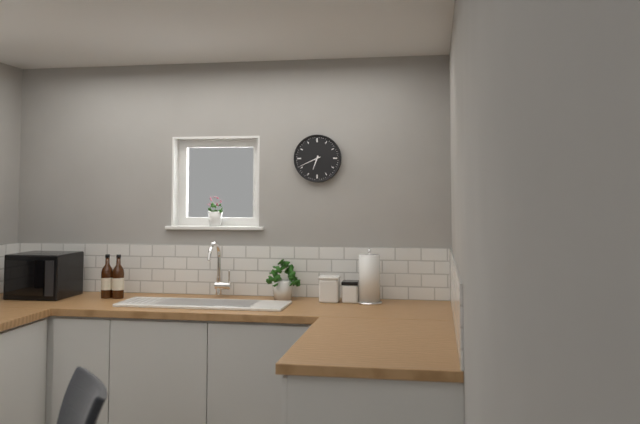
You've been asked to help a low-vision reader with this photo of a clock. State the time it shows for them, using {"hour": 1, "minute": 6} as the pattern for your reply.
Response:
{"hour": 6, "minute": 41}
